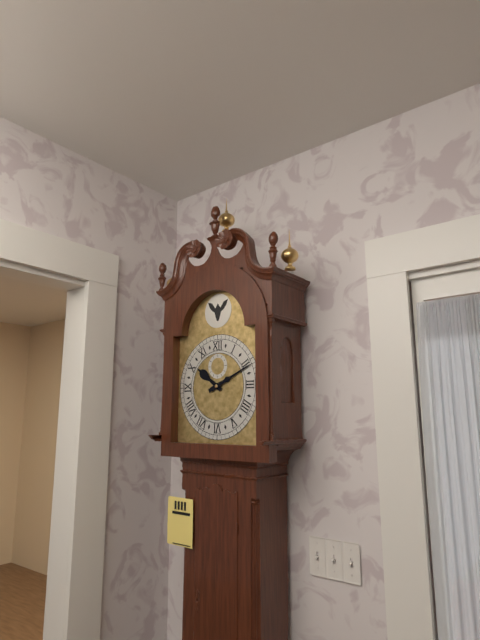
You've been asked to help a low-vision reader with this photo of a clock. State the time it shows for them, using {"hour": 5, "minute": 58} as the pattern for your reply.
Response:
{"hour": 10, "minute": 11}
